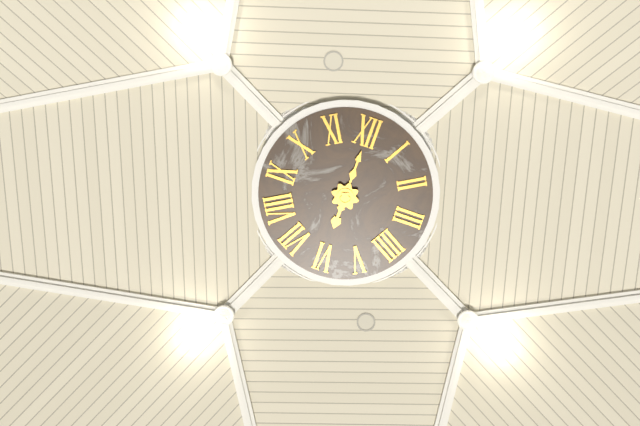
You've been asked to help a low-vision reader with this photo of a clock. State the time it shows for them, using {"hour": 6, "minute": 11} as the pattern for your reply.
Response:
{"hour": 6, "minute": 0}
